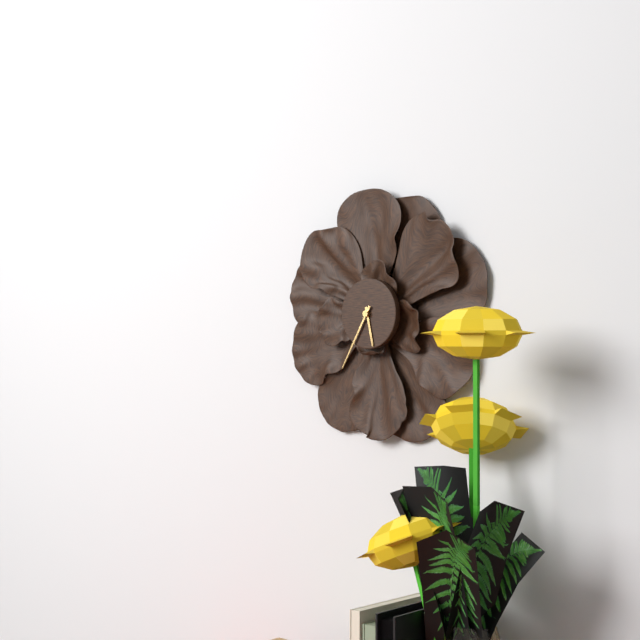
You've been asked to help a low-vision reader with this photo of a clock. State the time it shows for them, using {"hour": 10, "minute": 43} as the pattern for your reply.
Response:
{"hour": 5, "minute": 35}
